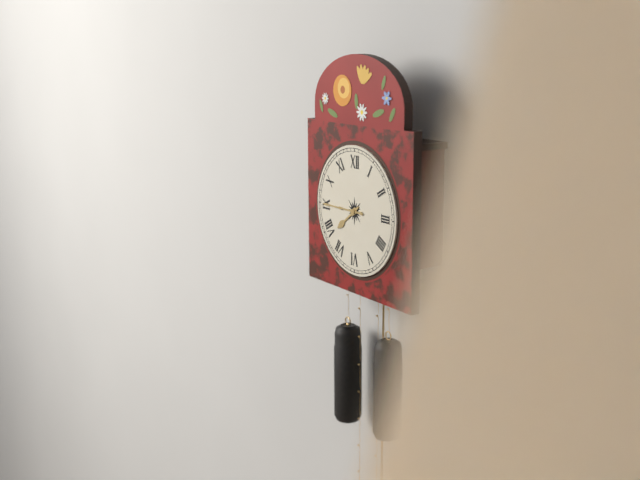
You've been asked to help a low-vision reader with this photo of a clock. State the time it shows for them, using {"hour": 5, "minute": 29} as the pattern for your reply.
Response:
{"hour": 7, "minute": 45}
